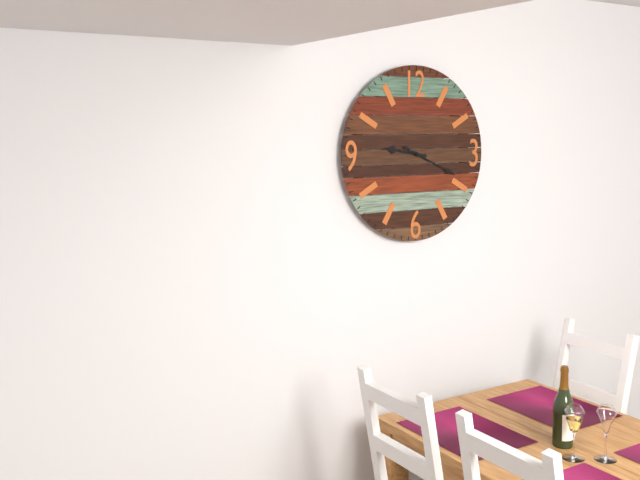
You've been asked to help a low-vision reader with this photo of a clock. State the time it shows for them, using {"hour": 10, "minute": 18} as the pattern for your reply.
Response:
{"hour": 9, "minute": 19}
